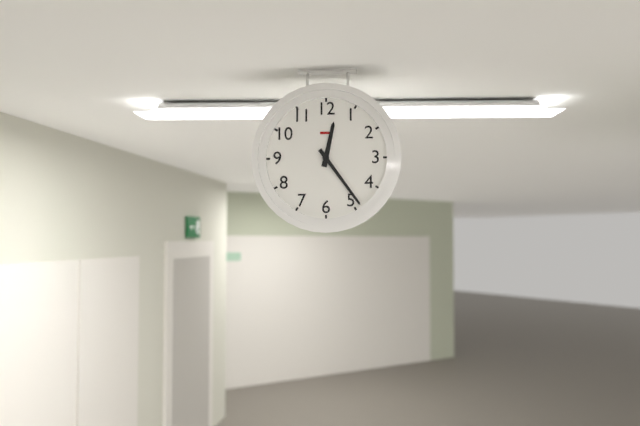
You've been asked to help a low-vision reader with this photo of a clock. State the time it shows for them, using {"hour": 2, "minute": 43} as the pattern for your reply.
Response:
{"hour": 12, "minute": 24}
